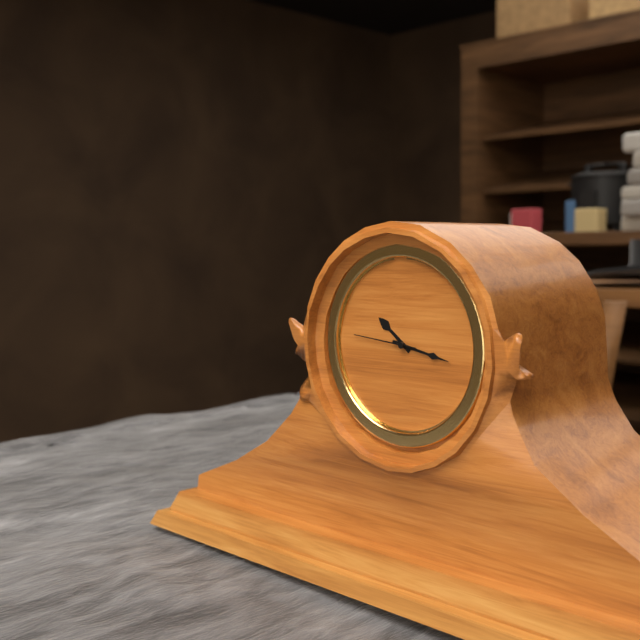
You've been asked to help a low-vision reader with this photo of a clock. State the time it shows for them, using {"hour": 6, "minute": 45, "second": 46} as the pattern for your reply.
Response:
{"hour": 10, "minute": 17, "second": 46}
